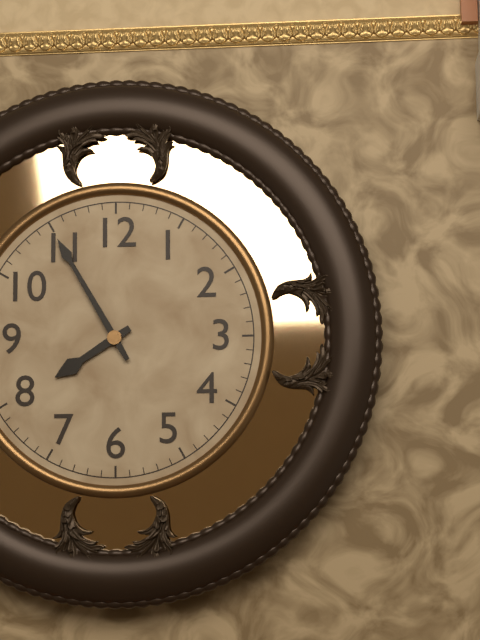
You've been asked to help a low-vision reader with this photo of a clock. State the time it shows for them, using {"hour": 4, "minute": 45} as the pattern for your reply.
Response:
{"hour": 7, "minute": 55}
